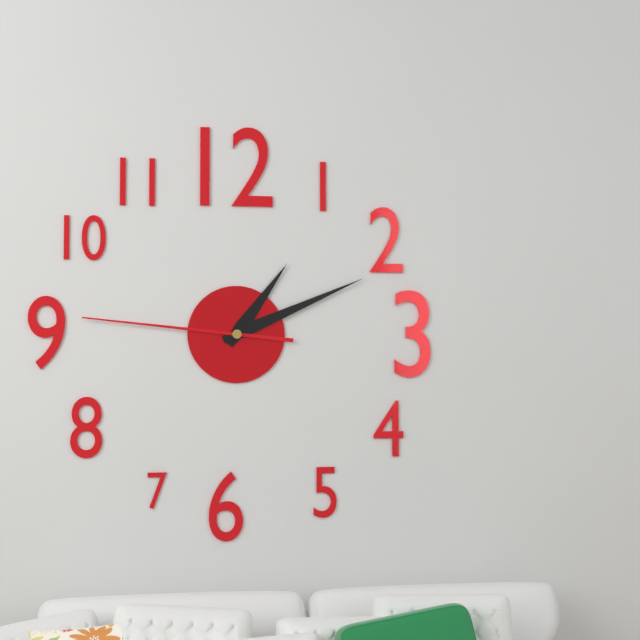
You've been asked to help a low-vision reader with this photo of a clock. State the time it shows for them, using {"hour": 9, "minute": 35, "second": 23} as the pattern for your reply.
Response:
{"hour": 1, "minute": 11, "second": 46}
